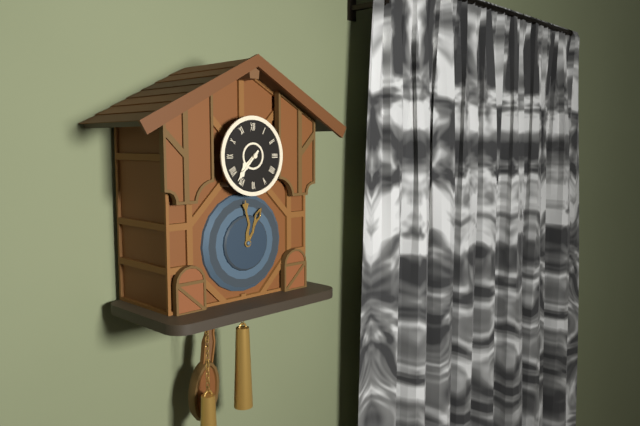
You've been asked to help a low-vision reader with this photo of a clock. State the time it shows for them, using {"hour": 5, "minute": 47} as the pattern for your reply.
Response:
{"hour": 7, "minute": 37}
